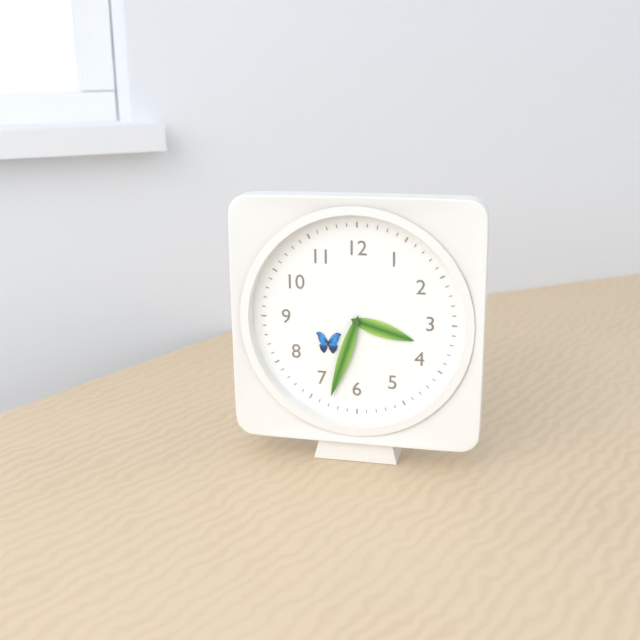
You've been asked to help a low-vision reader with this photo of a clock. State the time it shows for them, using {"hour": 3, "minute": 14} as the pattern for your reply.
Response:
{"hour": 3, "minute": 33}
